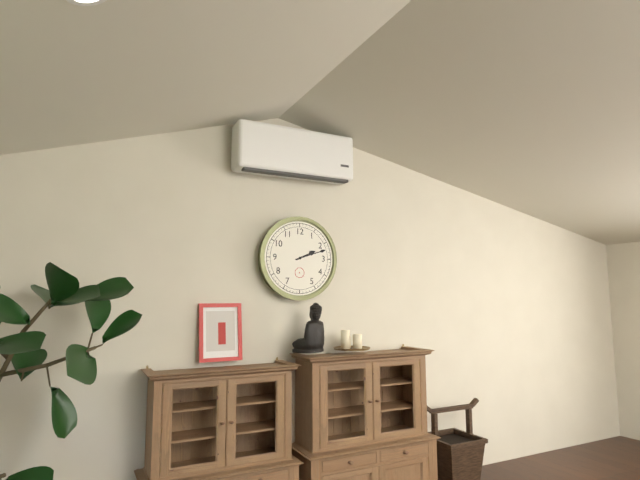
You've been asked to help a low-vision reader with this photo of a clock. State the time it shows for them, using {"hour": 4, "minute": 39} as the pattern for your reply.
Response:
{"hour": 2, "minute": 12}
